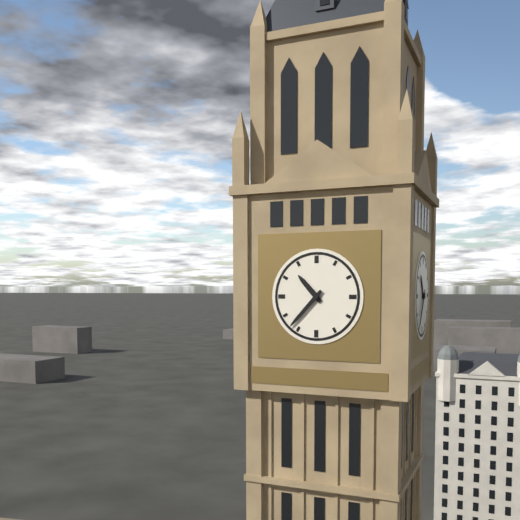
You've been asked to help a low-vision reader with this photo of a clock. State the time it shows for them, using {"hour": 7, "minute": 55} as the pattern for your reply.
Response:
{"hour": 10, "minute": 37}
